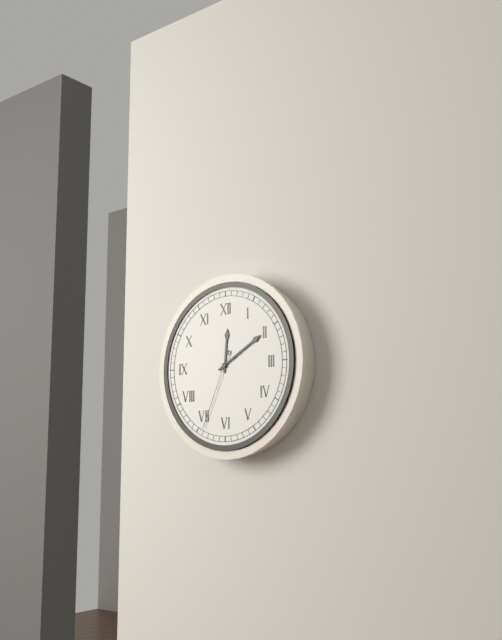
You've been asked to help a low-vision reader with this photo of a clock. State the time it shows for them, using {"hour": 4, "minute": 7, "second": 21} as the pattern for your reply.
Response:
{"hour": 12, "minute": 10, "second": 34}
